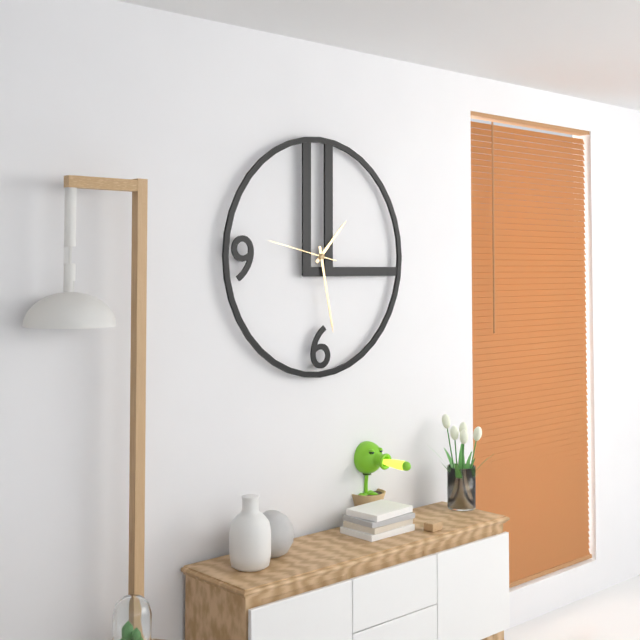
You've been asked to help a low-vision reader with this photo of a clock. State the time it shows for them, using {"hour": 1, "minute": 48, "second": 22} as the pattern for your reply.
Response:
{"hour": 1, "minute": 28, "second": 47}
